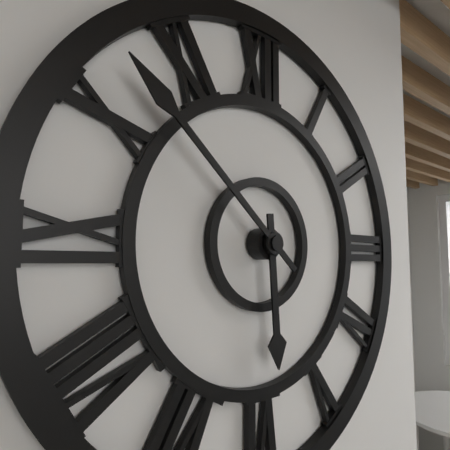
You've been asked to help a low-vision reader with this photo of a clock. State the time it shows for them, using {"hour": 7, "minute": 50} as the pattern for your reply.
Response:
{"hour": 5, "minute": 52}
